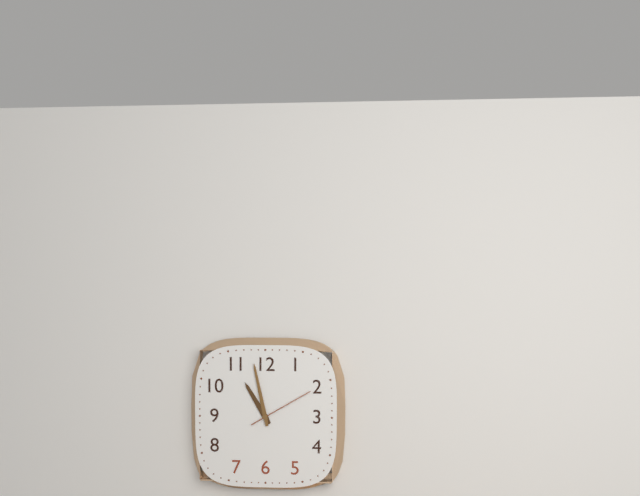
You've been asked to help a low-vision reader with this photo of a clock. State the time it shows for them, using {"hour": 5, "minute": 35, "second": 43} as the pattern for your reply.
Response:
{"hour": 10, "minute": 58, "second": 10}
